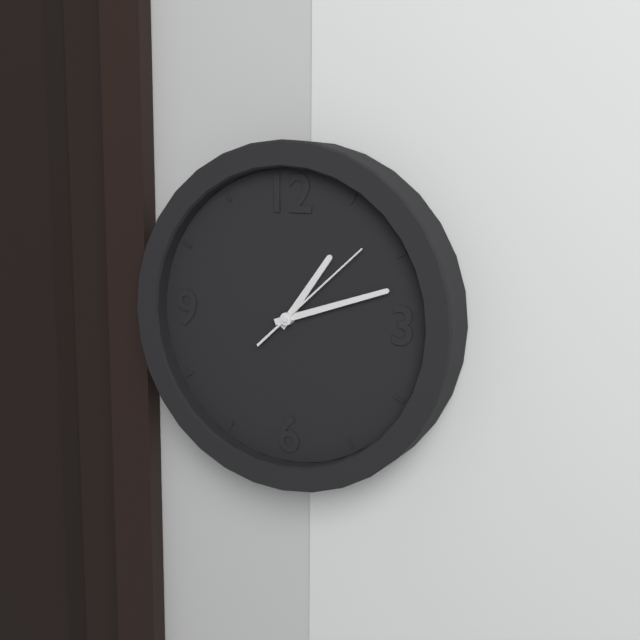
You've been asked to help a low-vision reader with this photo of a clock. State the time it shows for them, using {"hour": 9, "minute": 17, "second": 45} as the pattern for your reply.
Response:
{"hour": 1, "minute": 12, "second": 8}
